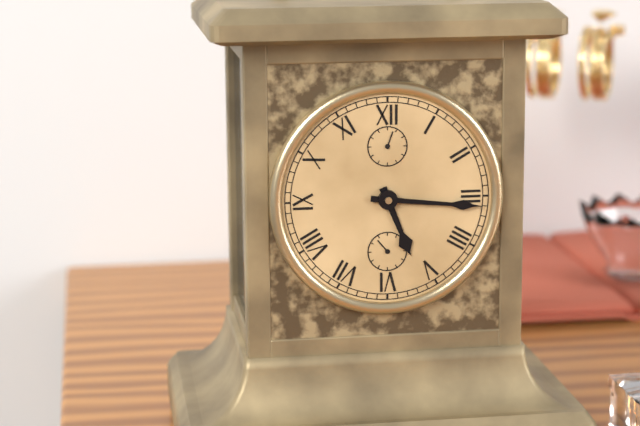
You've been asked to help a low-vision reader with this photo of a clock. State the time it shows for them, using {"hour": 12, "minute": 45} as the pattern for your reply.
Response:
{"hour": 5, "minute": 16}
